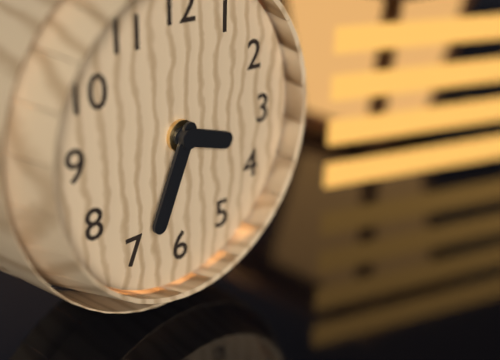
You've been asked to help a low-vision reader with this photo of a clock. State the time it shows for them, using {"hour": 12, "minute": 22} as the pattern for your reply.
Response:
{"hour": 3, "minute": 34}
